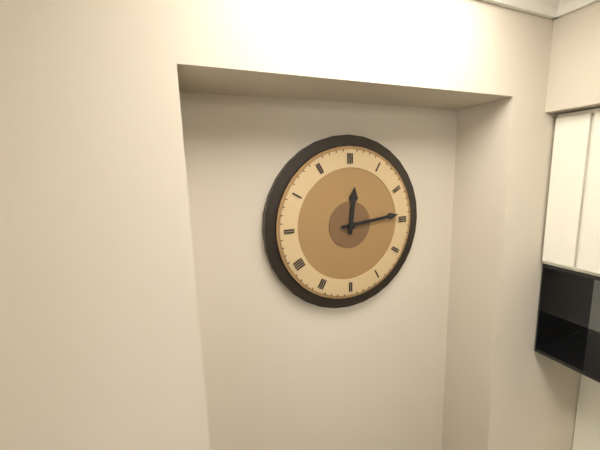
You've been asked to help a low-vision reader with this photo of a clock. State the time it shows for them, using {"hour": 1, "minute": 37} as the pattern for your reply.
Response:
{"hour": 12, "minute": 14}
